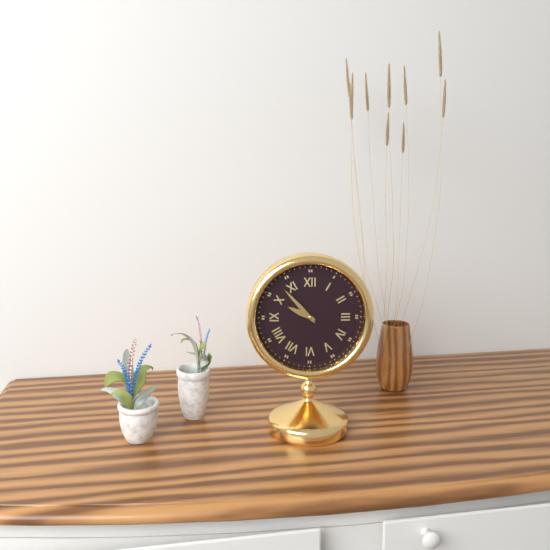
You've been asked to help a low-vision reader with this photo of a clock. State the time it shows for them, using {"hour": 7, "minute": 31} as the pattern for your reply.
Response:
{"hour": 9, "minute": 53}
